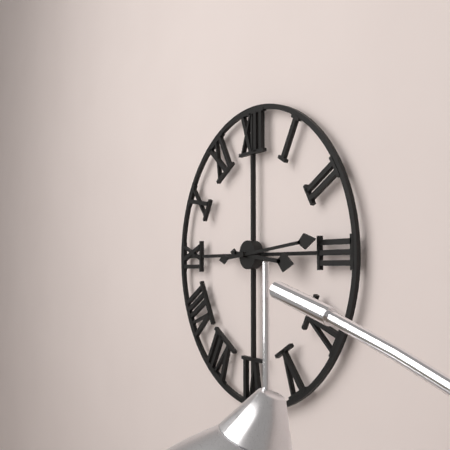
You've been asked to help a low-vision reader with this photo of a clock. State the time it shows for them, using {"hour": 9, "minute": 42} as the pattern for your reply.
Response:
{"hour": 3, "minute": 14}
